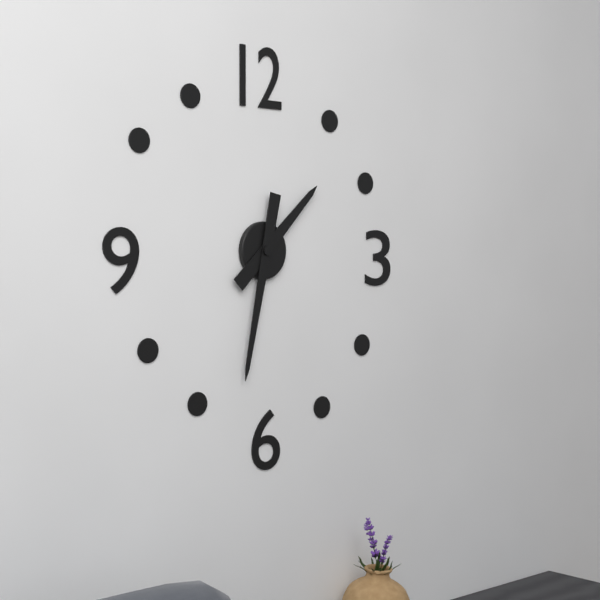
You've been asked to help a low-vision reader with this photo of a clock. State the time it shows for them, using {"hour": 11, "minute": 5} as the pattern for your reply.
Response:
{"hour": 1, "minute": 32}
